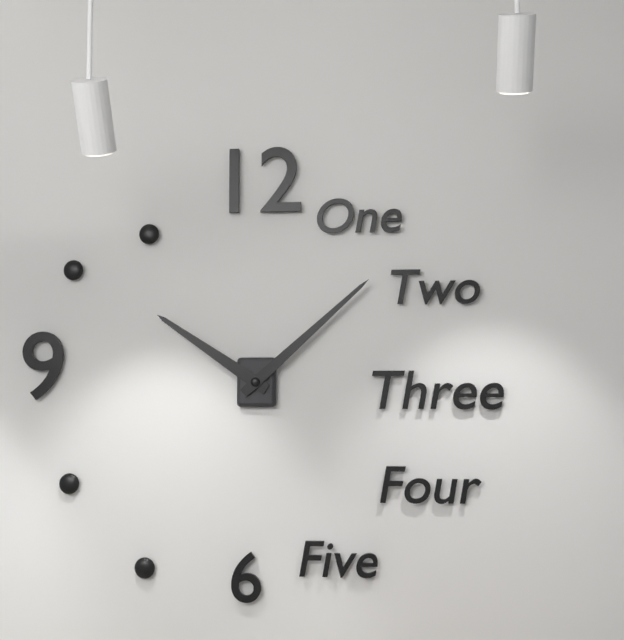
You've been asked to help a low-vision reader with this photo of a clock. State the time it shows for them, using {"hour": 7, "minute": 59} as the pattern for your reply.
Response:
{"hour": 10, "minute": 8}
